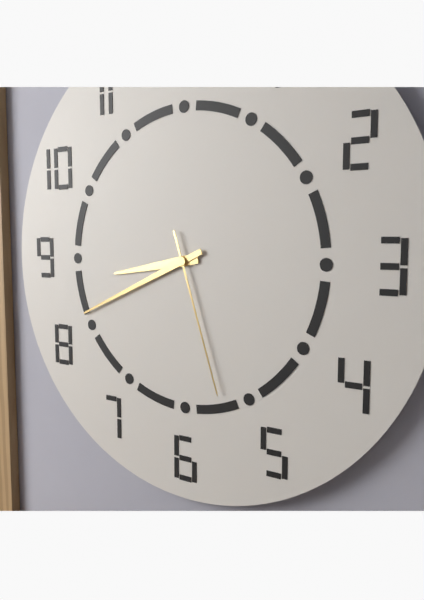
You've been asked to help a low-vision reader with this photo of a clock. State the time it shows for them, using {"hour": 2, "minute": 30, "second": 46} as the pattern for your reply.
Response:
{"hour": 8, "minute": 41, "second": 27}
